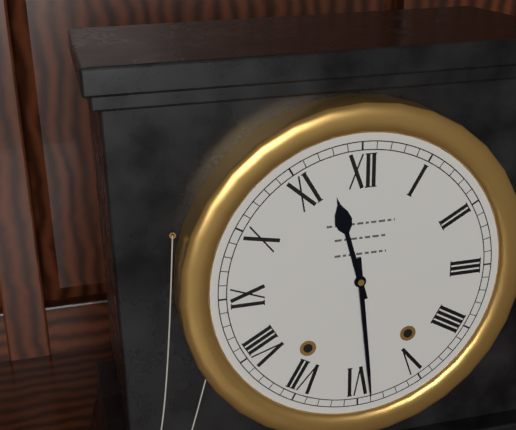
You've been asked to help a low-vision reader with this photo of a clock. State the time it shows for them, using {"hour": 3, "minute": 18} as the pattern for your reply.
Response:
{"hour": 11, "minute": 29}
